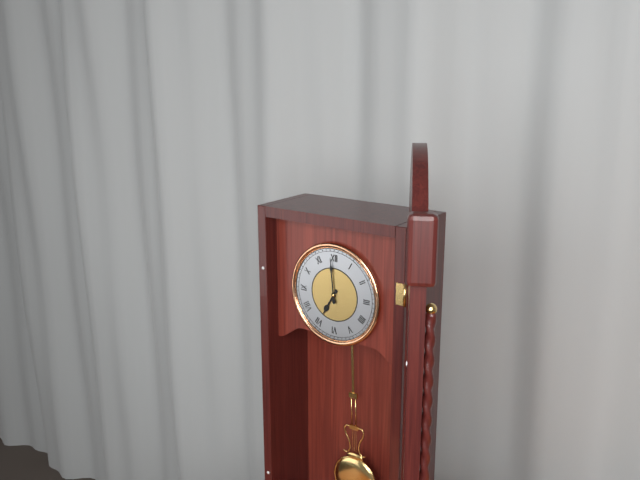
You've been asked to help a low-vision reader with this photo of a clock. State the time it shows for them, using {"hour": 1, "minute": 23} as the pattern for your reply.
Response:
{"hour": 6, "minute": 59}
